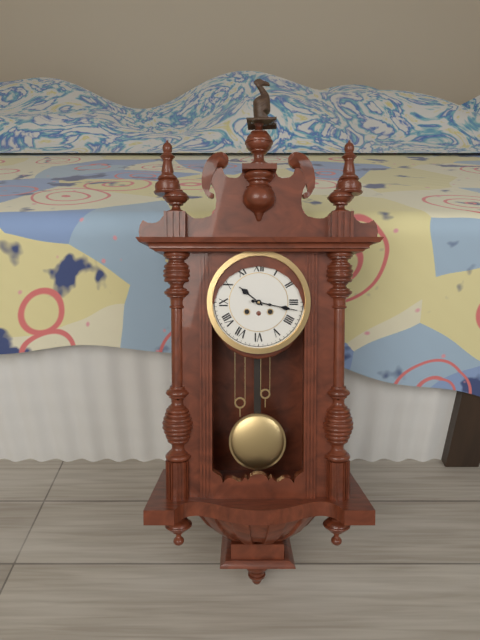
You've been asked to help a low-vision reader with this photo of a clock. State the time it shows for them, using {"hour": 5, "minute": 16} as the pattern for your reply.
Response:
{"hour": 10, "minute": 17}
